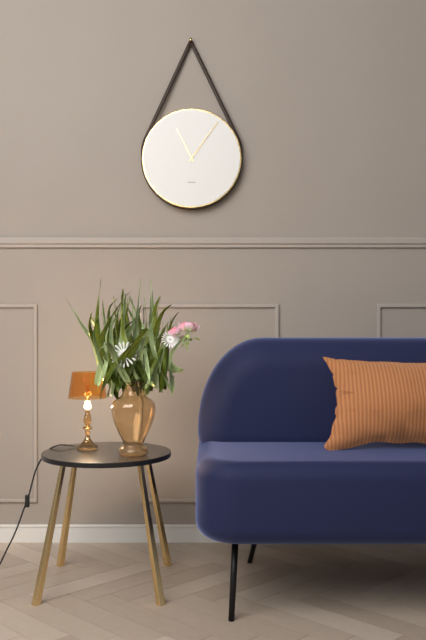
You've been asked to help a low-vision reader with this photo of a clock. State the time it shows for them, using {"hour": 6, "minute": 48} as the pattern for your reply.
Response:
{"hour": 11, "minute": 6}
